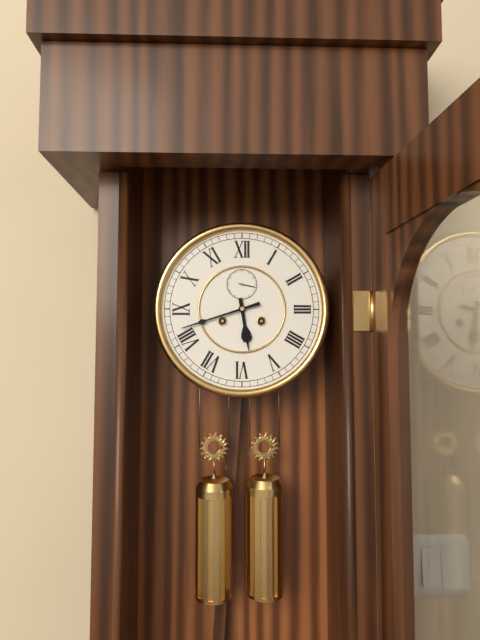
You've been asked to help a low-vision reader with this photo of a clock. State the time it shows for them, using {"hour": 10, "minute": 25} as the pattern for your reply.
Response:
{"hour": 5, "minute": 42}
